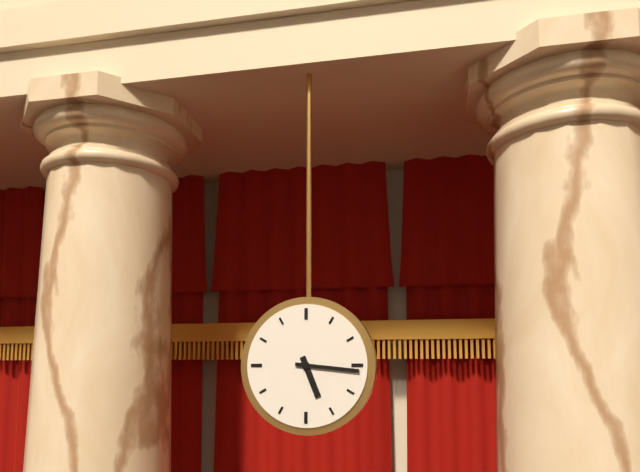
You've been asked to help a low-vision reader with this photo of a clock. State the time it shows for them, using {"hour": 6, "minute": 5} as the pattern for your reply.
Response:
{"hour": 5, "minute": 16}
